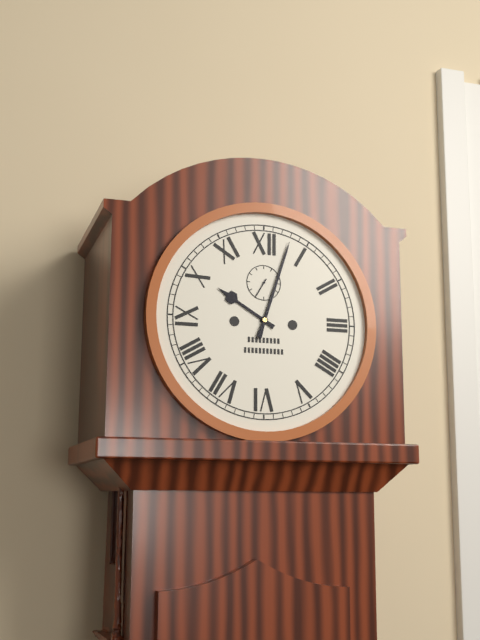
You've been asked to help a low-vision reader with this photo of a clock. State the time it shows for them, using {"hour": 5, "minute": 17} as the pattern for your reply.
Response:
{"hour": 10, "minute": 3}
